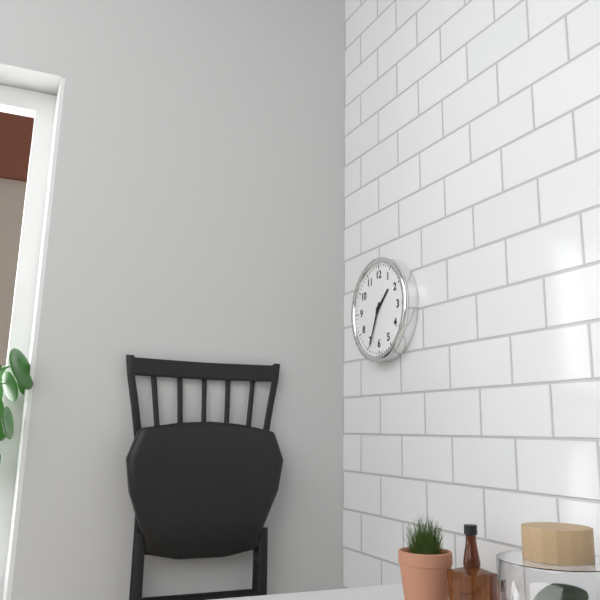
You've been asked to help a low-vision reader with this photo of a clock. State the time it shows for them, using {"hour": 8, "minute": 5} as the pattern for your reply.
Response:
{"hour": 1, "minute": 34}
